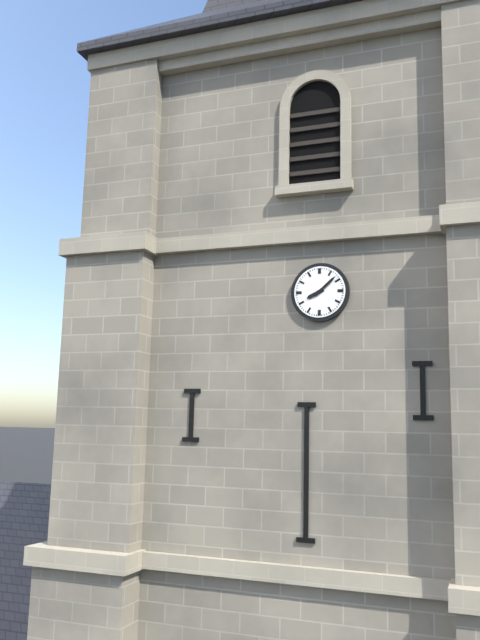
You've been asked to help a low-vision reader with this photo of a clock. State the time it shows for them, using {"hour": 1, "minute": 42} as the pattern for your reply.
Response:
{"hour": 8, "minute": 8}
